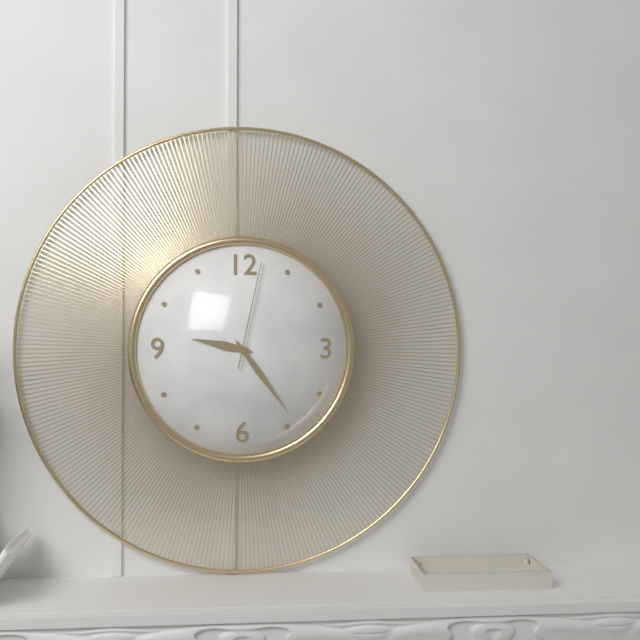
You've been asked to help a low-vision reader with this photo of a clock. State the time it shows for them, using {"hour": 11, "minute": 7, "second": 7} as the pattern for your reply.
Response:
{"hour": 9, "minute": 24, "second": 2}
